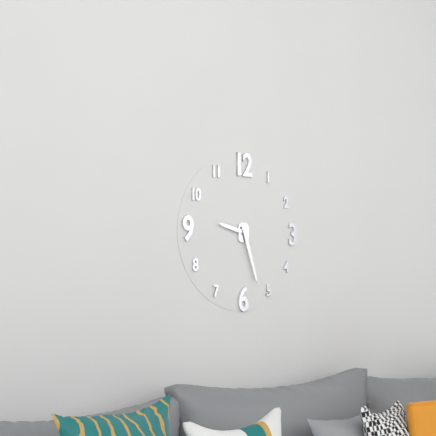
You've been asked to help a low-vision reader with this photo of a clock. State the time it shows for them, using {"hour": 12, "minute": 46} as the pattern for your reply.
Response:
{"hour": 9, "minute": 27}
